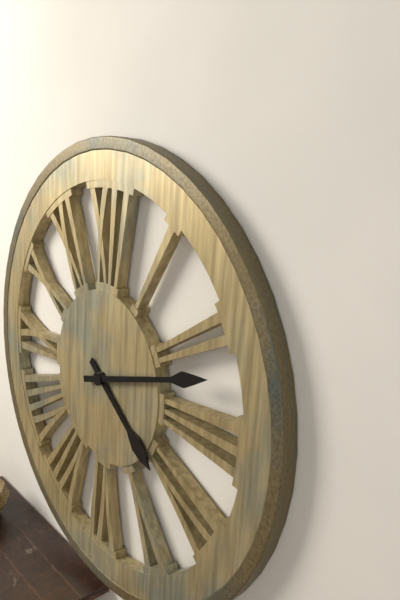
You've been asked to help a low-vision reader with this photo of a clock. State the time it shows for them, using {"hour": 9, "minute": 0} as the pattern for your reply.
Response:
{"hour": 4, "minute": 12}
